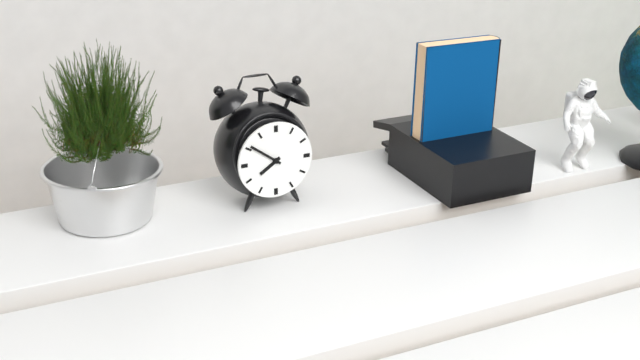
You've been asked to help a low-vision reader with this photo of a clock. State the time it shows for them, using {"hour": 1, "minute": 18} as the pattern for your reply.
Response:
{"hour": 7, "minute": 51}
